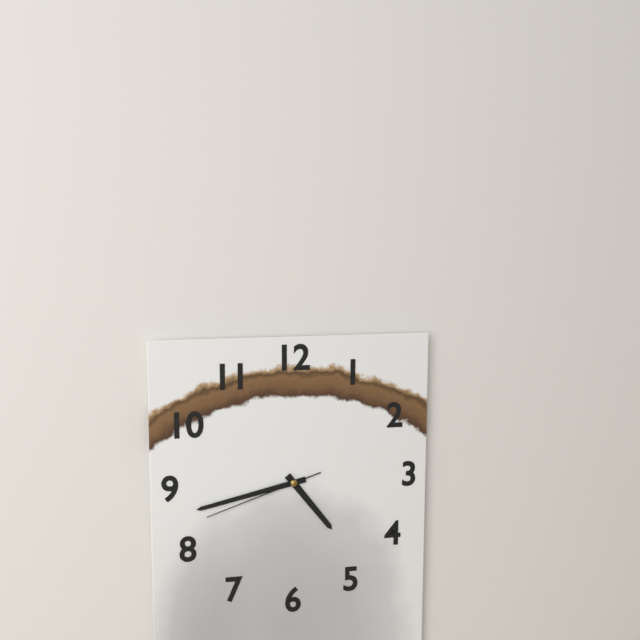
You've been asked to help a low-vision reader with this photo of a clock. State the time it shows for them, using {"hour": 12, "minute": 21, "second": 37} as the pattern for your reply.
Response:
{"hour": 4, "minute": 43, "second": 42}
